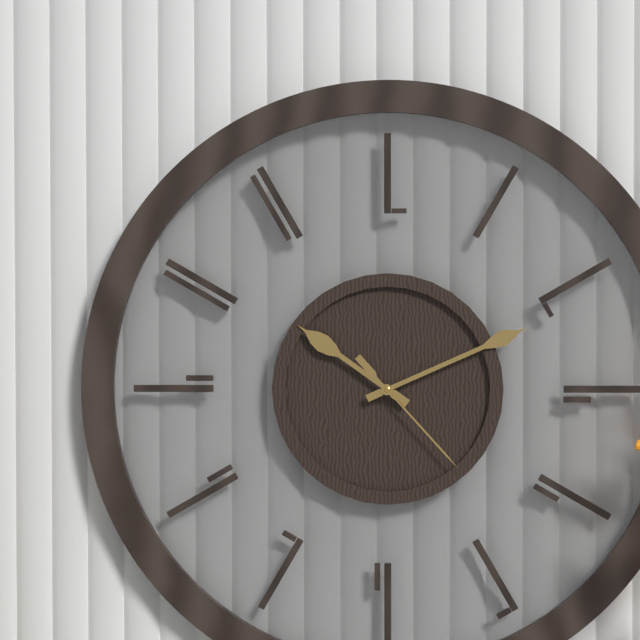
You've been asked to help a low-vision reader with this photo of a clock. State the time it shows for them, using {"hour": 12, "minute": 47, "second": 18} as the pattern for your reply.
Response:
{"hour": 10, "minute": 11, "second": 23}
